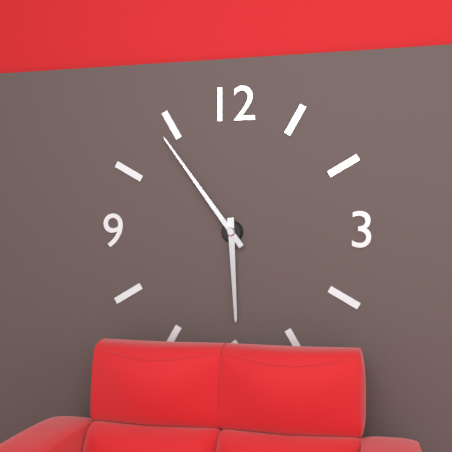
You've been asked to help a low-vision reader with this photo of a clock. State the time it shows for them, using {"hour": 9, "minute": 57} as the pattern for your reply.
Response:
{"hour": 5, "minute": 54}
